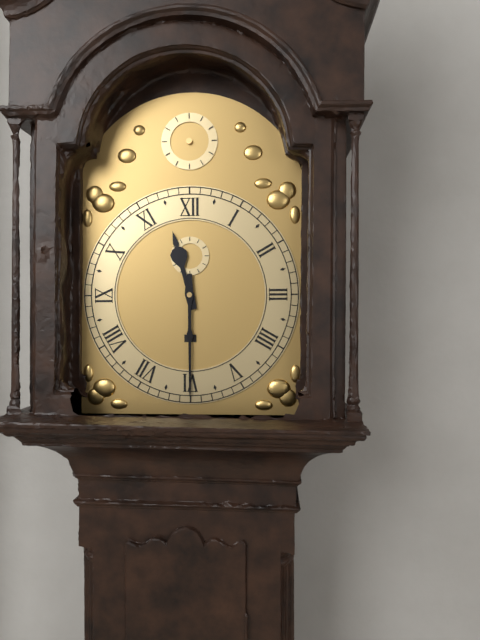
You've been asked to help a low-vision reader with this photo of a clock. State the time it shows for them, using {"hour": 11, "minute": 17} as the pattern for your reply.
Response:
{"hour": 11, "minute": 30}
